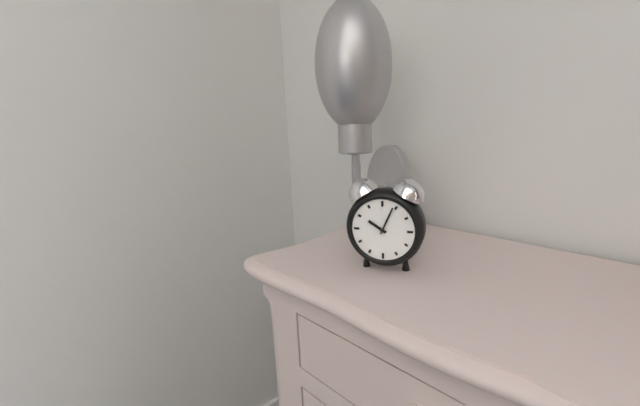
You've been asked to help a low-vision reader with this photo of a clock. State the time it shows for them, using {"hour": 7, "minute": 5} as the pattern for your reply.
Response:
{"hour": 10, "minute": 4}
